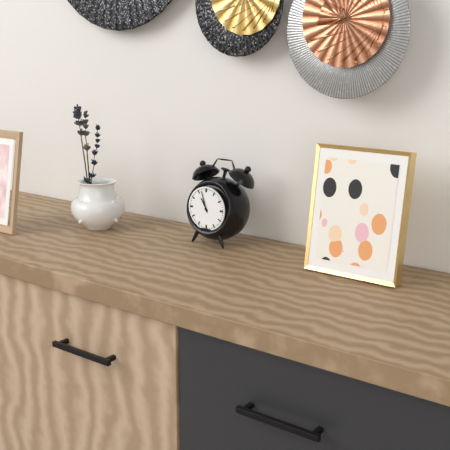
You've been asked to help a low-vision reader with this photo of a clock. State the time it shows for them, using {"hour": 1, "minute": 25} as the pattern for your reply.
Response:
{"hour": 10, "minute": 57}
